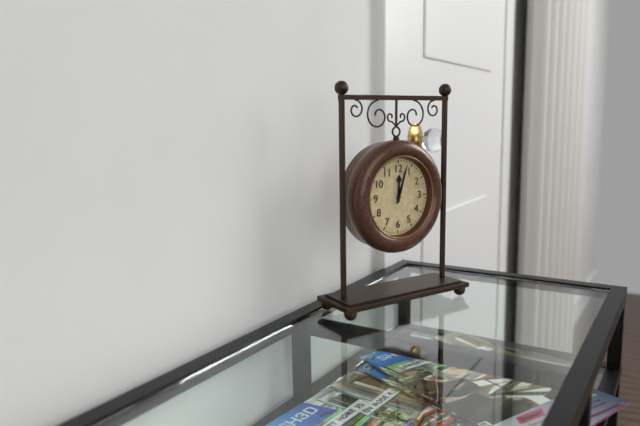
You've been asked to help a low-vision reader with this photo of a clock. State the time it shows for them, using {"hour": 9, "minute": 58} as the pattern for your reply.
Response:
{"hour": 12, "minute": 3}
